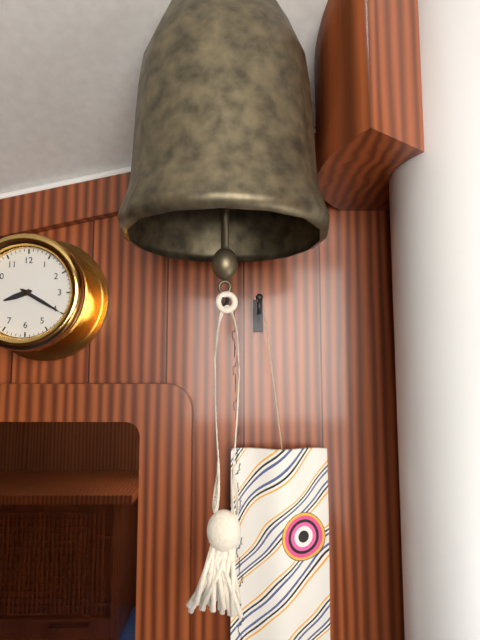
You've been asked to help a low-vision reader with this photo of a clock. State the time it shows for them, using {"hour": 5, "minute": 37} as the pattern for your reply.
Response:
{"hour": 8, "minute": 20}
